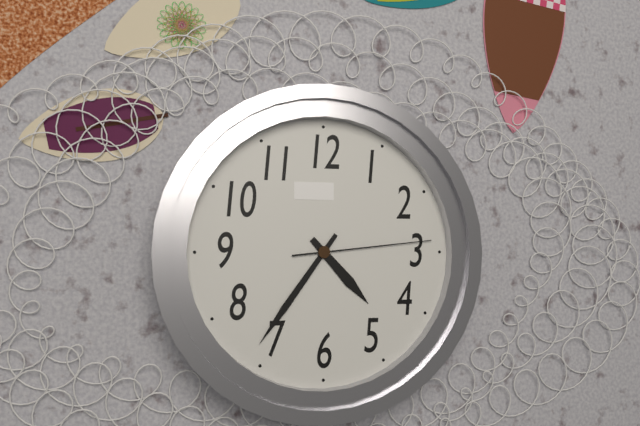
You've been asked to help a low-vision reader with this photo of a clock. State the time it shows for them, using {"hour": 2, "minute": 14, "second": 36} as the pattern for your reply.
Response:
{"hour": 4, "minute": 36, "second": 14}
